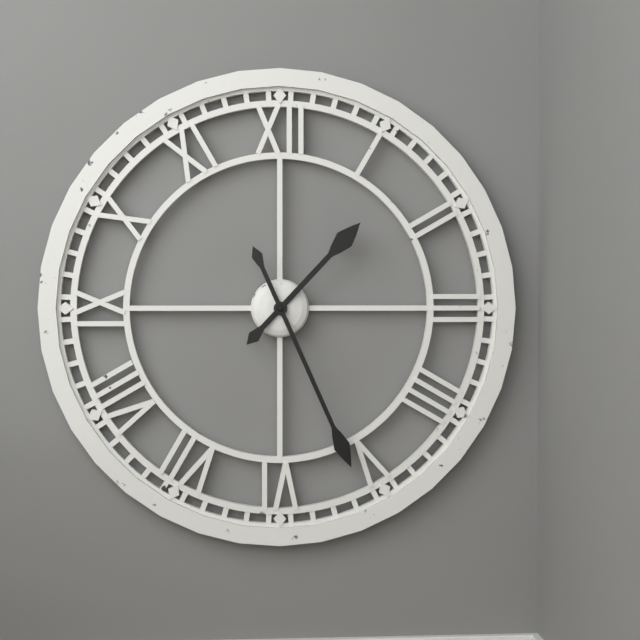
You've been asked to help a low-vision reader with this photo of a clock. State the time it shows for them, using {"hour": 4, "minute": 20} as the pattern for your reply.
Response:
{"hour": 1, "minute": 26}
